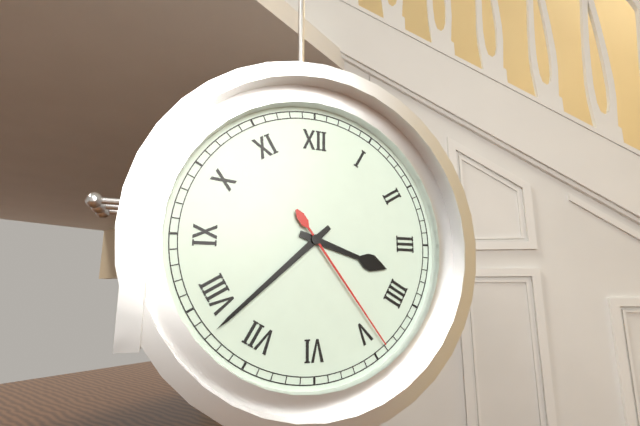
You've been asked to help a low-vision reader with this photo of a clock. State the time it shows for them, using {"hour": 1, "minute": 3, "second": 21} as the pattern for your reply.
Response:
{"hour": 3, "minute": 38, "second": 24}
